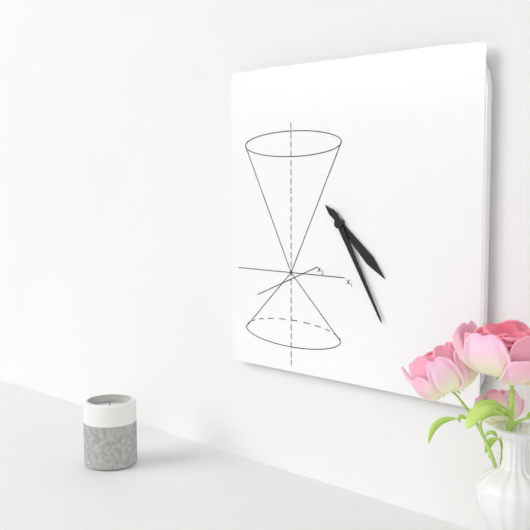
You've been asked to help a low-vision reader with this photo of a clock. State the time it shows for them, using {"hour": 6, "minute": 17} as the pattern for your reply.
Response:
{"hour": 4, "minute": 25}
